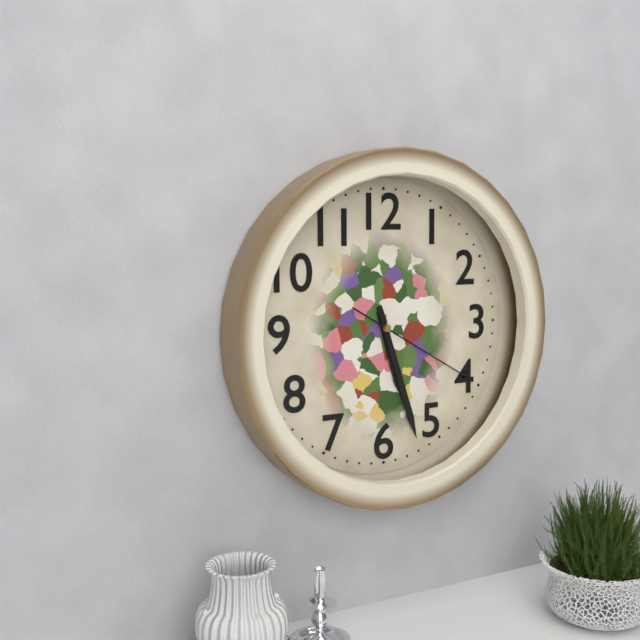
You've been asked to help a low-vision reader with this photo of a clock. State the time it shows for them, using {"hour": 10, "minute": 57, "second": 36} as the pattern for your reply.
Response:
{"hour": 5, "minute": 27, "second": 20}
